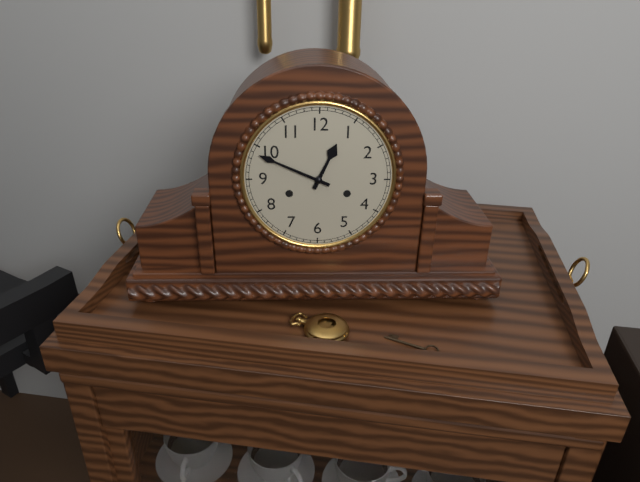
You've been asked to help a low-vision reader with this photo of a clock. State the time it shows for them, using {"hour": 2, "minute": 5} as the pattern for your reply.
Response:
{"hour": 12, "minute": 49}
